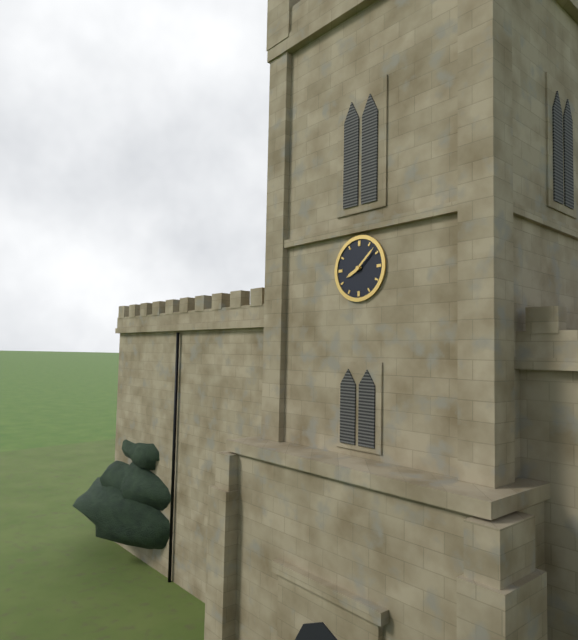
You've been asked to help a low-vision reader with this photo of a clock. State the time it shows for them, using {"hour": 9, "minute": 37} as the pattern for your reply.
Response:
{"hour": 8, "minute": 8}
